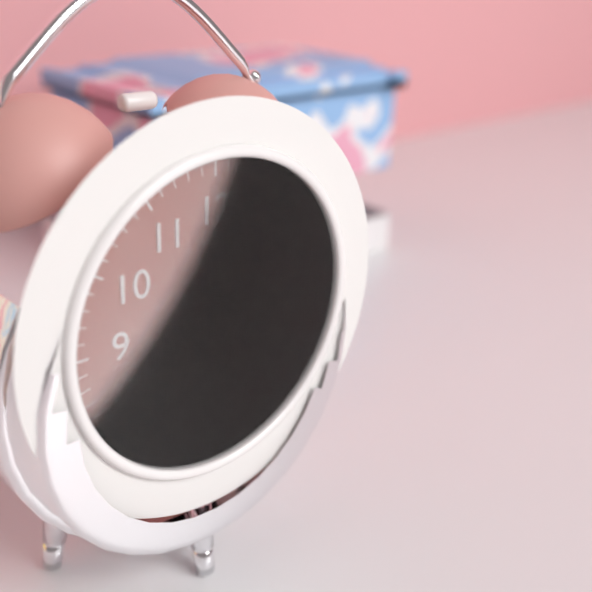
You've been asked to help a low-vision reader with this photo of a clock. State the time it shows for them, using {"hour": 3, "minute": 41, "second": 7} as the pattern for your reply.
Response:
{"hour": 5, "minute": 38, "second": 32}
